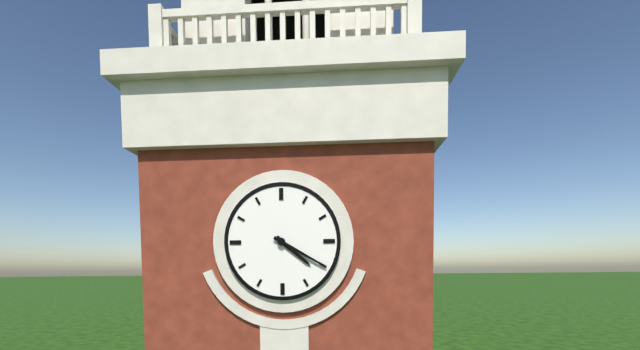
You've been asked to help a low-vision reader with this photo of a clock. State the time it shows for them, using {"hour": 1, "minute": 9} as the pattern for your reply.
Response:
{"hour": 4, "minute": 20}
